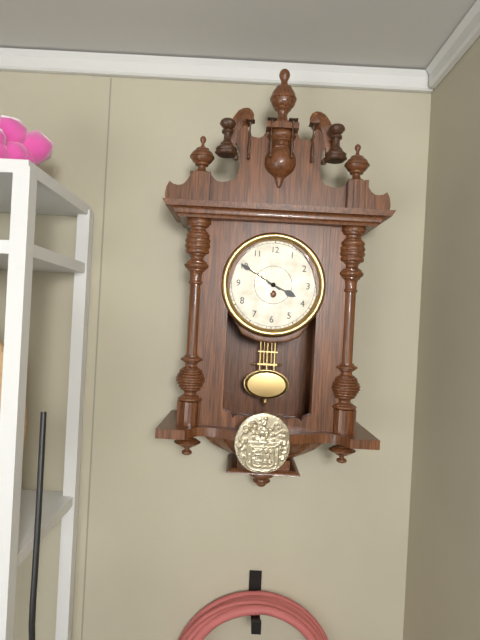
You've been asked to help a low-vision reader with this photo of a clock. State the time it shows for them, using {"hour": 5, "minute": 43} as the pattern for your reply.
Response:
{"hour": 3, "minute": 50}
